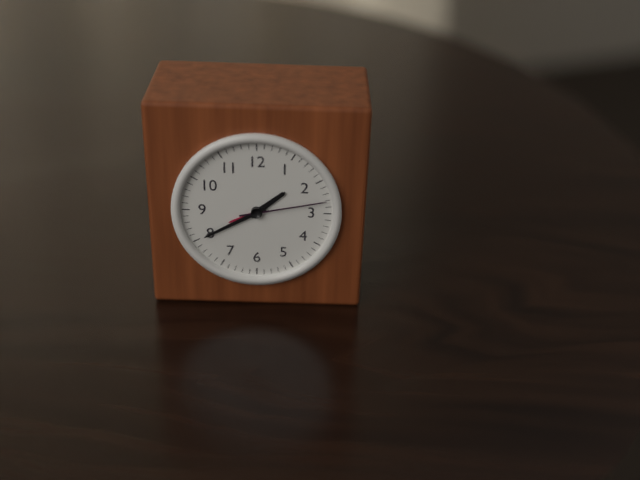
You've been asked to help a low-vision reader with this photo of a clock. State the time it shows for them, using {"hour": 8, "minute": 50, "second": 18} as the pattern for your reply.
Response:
{"hour": 1, "minute": 40, "second": 13}
